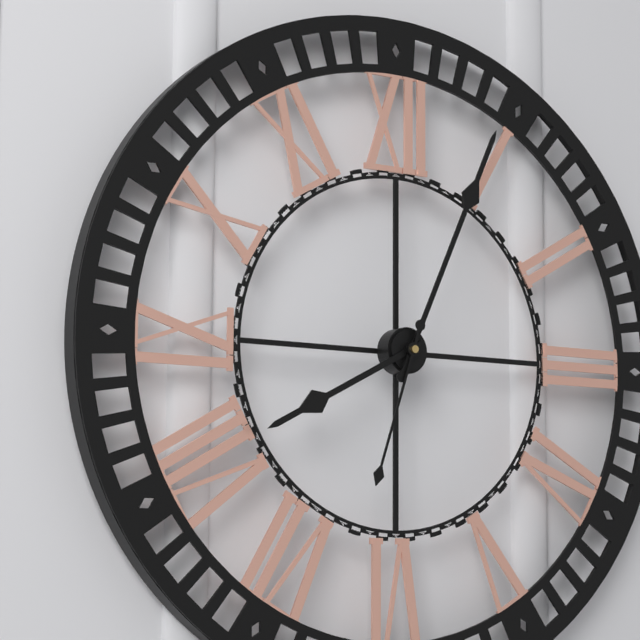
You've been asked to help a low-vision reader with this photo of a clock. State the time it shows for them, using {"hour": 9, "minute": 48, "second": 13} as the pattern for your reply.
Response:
{"hour": 8, "minute": 4, "second": 33}
